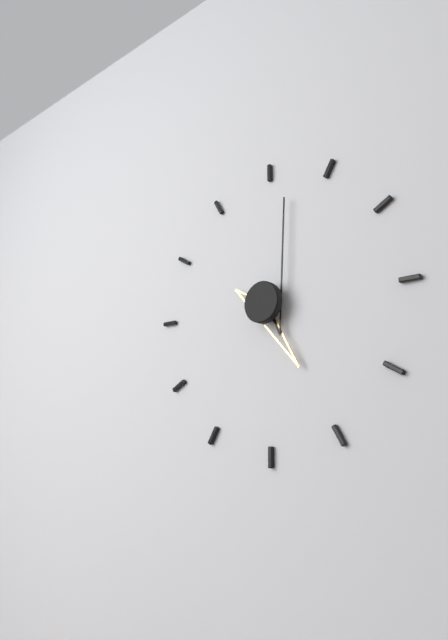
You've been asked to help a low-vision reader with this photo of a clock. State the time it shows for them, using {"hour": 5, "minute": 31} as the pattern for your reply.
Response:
{"hour": 5, "minute": 2}
